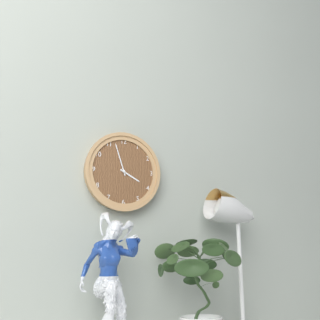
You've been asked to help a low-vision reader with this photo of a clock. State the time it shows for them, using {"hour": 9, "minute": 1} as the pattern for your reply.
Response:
{"hour": 3, "minute": 57}
